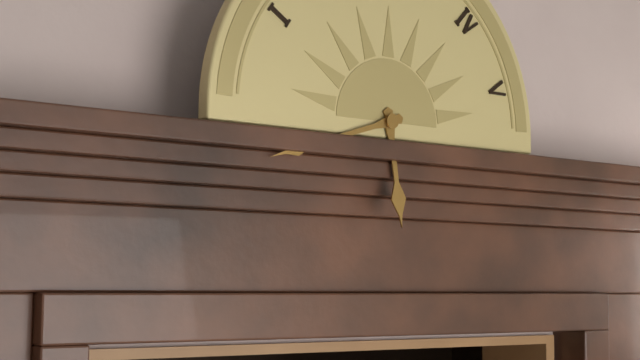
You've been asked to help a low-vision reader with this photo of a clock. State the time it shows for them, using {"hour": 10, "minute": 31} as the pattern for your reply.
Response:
{"hour": 5, "minute": 42}
